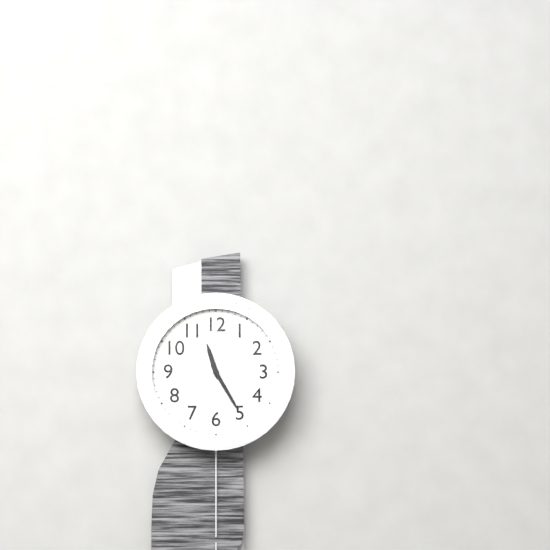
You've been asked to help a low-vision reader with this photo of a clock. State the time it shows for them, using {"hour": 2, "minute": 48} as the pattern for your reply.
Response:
{"hour": 11, "minute": 25}
